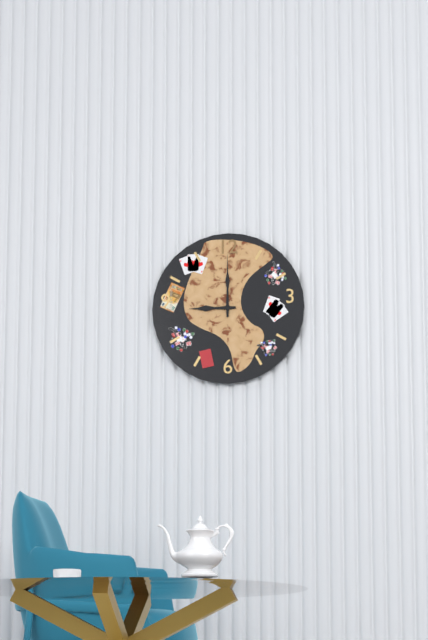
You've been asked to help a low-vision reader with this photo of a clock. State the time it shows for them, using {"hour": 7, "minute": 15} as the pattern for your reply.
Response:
{"hour": 9, "minute": 0}
